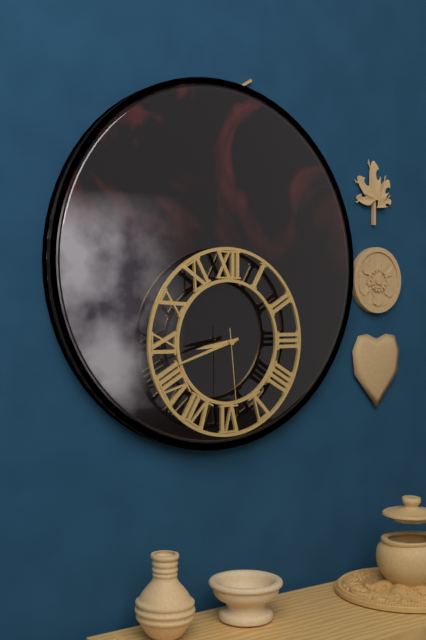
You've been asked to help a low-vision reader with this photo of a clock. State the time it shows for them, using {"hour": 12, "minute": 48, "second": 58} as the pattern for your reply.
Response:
{"hour": 8, "minute": 42, "second": 29}
